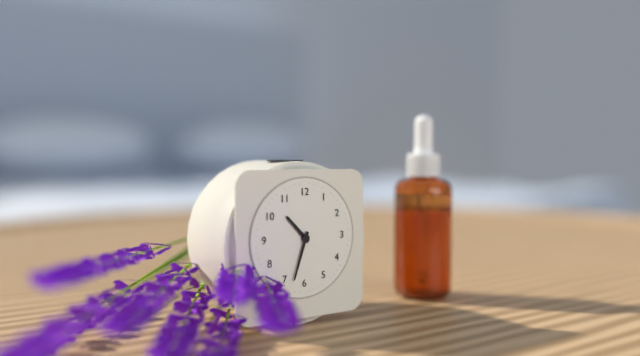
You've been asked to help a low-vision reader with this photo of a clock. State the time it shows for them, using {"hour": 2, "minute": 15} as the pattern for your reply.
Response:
{"hour": 10, "minute": 33}
